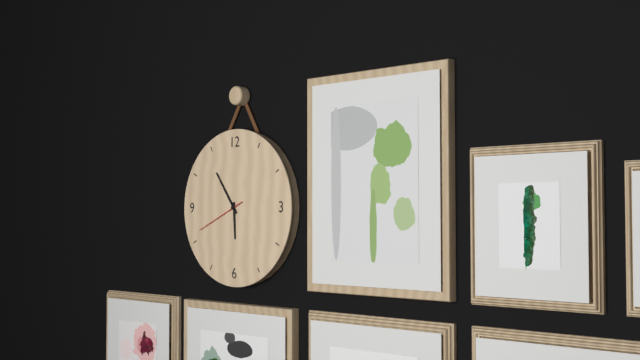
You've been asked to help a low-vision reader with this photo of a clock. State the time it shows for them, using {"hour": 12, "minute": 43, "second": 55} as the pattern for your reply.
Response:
{"hour": 5, "minute": 54, "second": 41}
